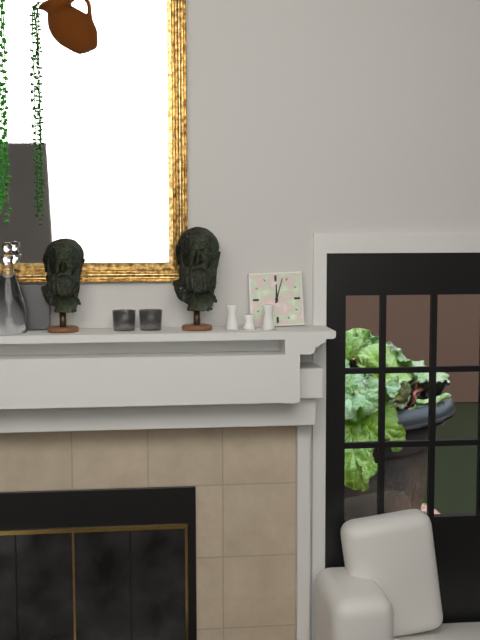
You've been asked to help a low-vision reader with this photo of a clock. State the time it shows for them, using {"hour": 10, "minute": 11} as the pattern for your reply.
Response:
{"hour": 12, "minute": 3}
